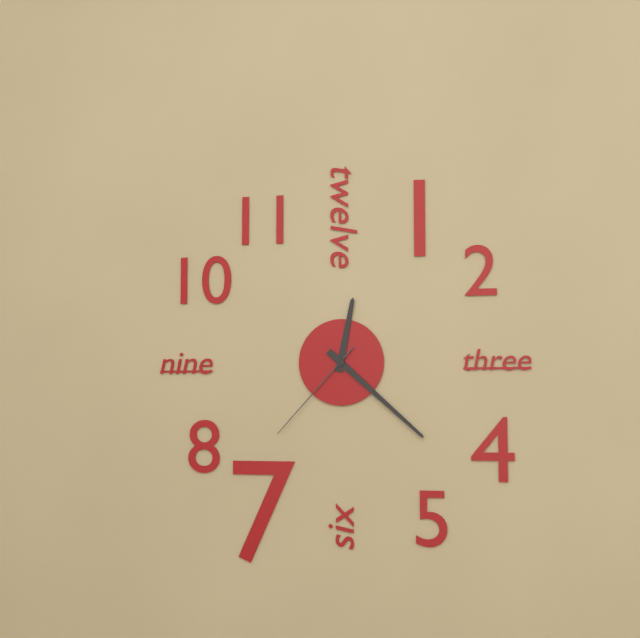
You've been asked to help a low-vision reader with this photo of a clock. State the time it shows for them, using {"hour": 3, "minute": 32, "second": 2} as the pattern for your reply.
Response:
{"hour": 12, "minute": 22, "second": 37}
